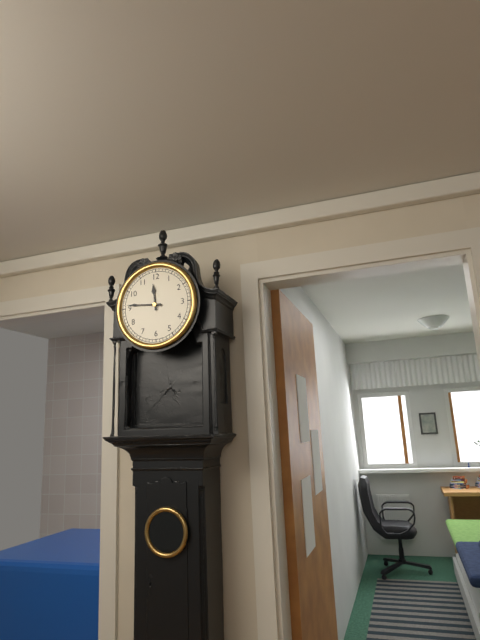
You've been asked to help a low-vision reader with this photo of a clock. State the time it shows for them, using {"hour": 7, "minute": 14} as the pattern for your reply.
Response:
{"hour": 11, "minute": 46}
